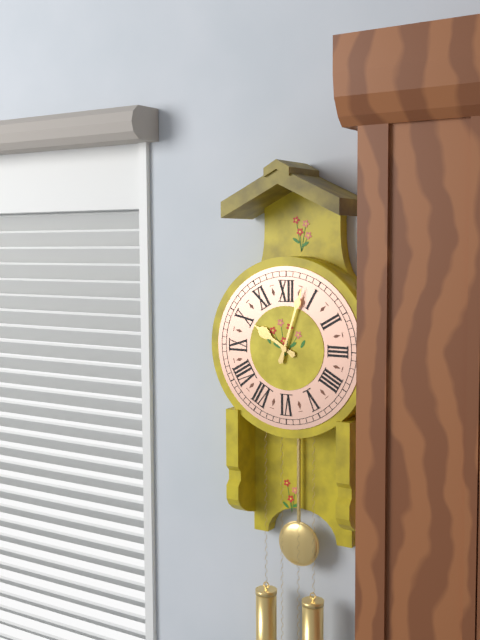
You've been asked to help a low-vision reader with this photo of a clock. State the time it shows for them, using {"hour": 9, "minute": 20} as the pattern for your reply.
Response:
{"hour": 10, "minute": 3}
